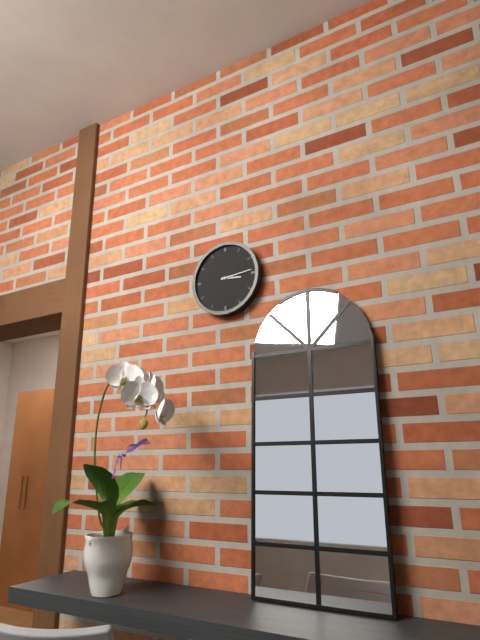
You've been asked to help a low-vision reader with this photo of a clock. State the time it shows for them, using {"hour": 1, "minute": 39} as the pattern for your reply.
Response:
{"hour": 3, "minute": 14}
